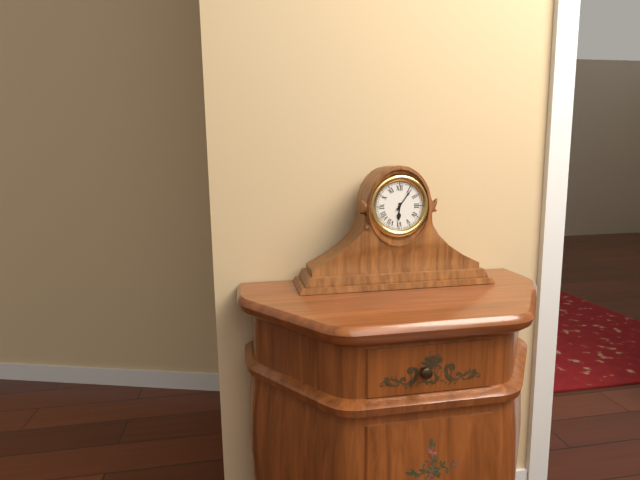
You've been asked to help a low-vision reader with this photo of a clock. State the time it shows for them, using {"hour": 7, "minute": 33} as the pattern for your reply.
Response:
{"hour": 6, "minute": 6}
